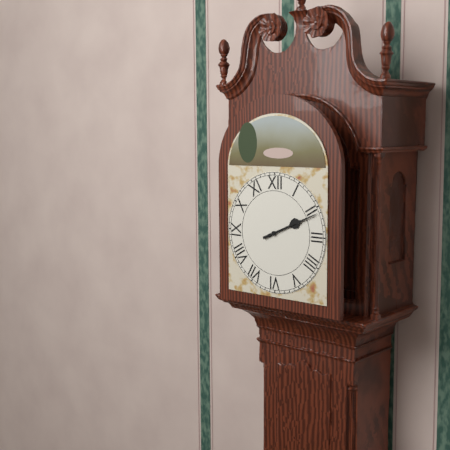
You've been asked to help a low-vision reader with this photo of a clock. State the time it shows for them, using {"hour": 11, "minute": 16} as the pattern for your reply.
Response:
{"hour": 2, "minute": 11}
